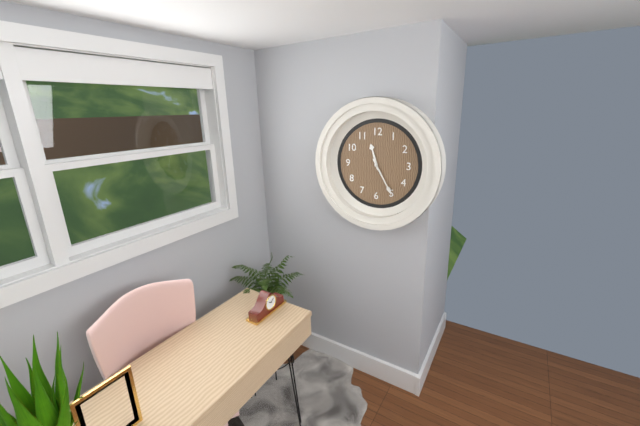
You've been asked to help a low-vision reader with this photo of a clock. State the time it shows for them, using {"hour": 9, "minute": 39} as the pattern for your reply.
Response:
{"hour": 11, "minute": 25}
